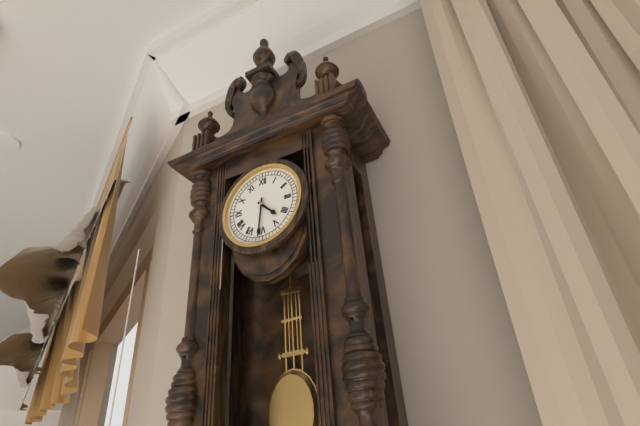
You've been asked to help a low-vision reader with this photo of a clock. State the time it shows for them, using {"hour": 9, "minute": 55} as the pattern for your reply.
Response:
{"hour": 4, "minute": 31}
